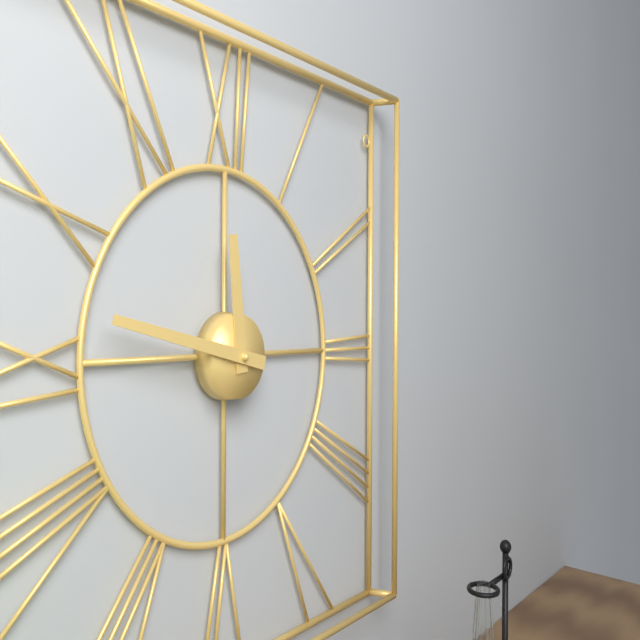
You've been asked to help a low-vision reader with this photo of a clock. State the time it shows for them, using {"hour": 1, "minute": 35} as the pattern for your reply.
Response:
{"hour": 11, "minute": 47}
